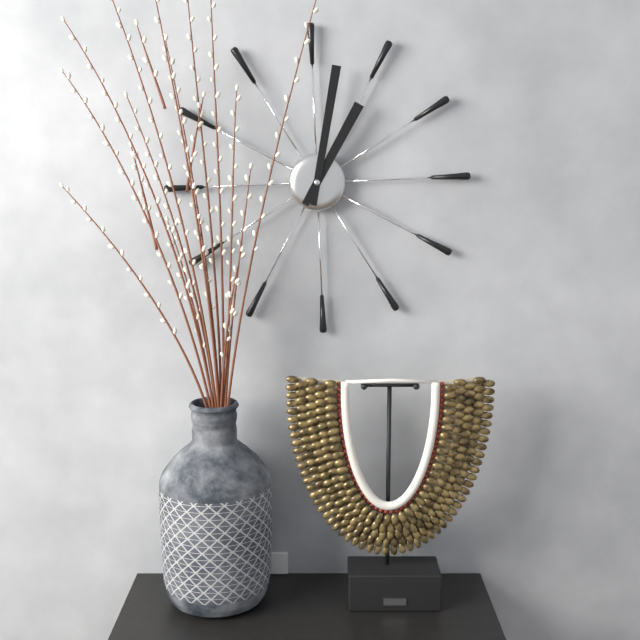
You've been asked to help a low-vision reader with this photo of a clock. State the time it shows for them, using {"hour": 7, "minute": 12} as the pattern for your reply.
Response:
{"hour": 1, "minute": 2}
